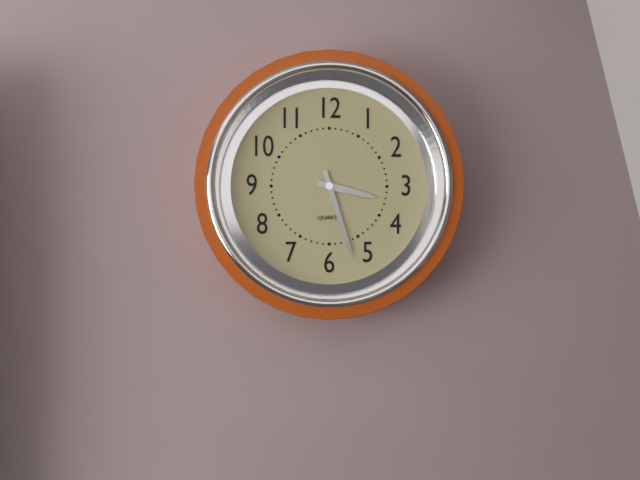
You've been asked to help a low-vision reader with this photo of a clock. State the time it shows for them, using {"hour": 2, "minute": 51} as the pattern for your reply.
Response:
{"hour": 3, "minute": 27}
